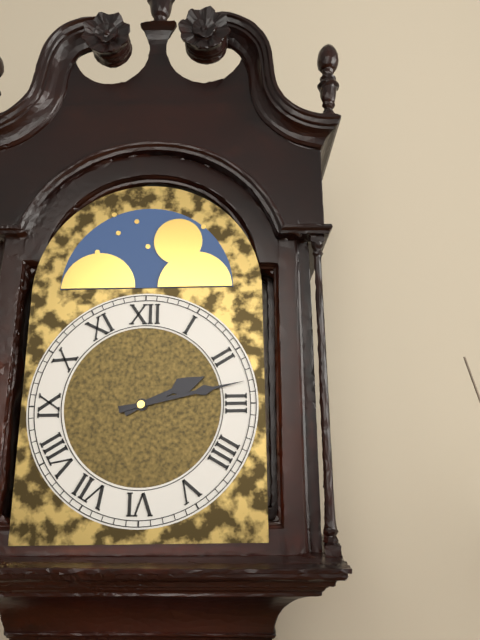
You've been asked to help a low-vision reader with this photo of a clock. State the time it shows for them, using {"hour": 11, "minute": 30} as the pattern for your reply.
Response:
{"hour": 2, "minute": 13}
